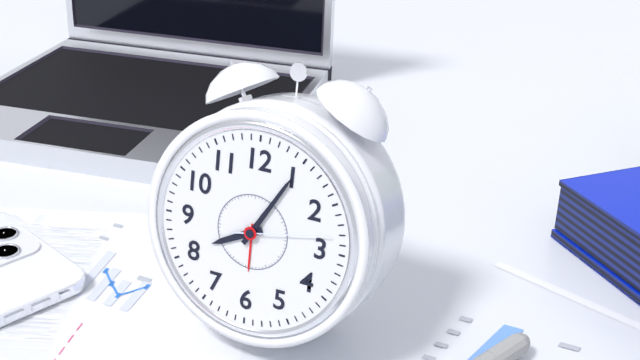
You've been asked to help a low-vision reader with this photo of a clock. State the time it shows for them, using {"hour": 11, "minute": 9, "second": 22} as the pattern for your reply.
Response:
{"hour": 8, "minute": 5, "second": 13}
